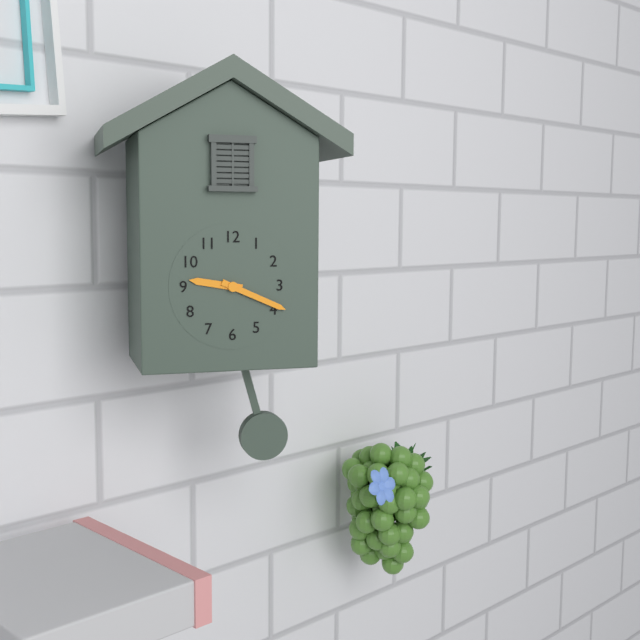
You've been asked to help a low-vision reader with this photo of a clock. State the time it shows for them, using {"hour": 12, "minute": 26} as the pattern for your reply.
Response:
{"hour": 9, "minute": 19}
